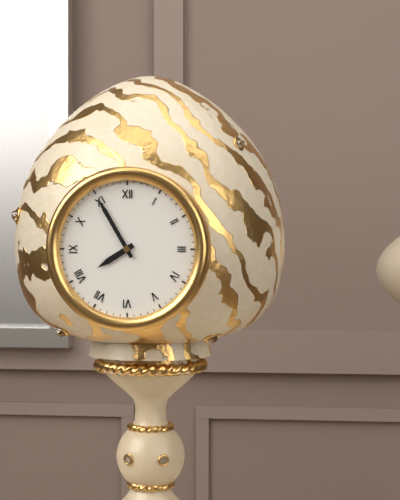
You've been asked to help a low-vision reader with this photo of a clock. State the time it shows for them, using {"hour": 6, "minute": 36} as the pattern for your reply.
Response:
{"hour": 7, "minute": 55}
